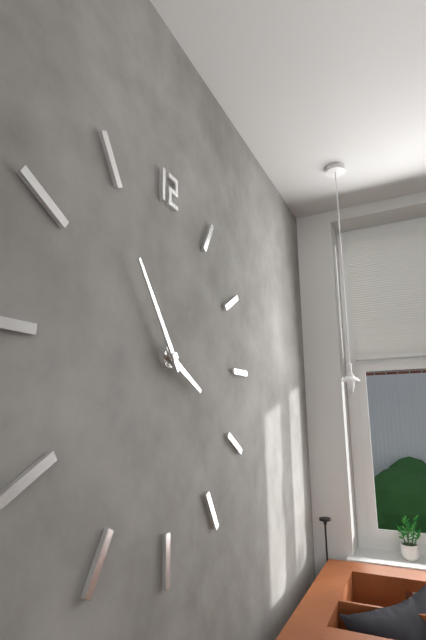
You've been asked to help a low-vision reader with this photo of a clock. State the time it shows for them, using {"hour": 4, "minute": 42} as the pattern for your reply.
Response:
{"hour": 3, "minute": 54}
